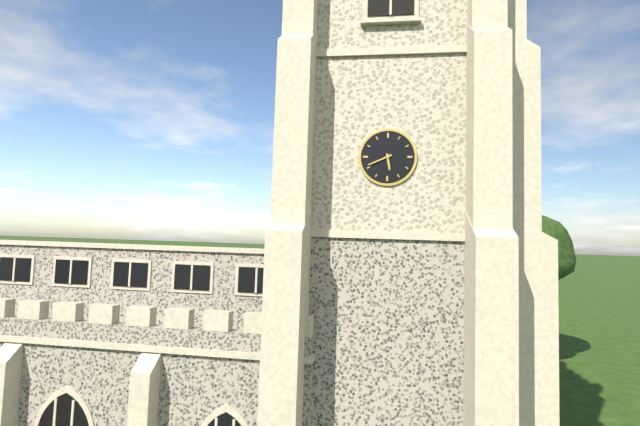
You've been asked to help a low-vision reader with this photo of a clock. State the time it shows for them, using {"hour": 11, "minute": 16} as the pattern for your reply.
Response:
{"hour": 5, "minute": 41}
